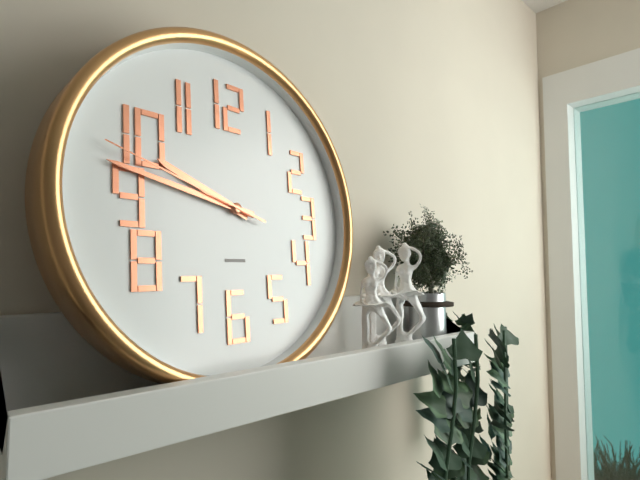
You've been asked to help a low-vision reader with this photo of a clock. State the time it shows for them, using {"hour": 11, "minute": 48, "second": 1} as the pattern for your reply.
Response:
{"hour": 9, "minute": 47, "second": 48}
